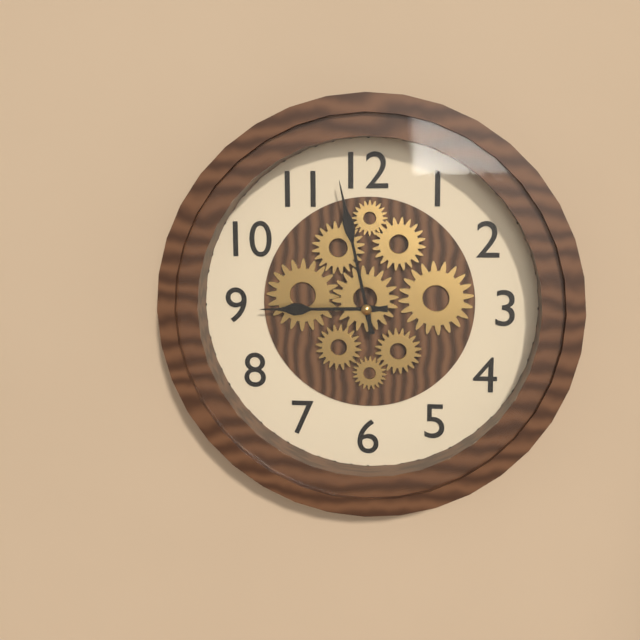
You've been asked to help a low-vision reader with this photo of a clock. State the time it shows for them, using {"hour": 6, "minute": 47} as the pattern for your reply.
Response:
{"hour": 8, "minute": 58}
